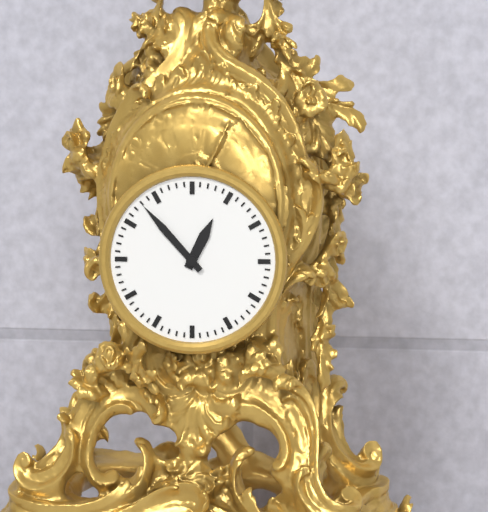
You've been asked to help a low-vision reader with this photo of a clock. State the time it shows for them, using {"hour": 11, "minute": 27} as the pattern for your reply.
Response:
{"hour": 12, "minute": 53}
